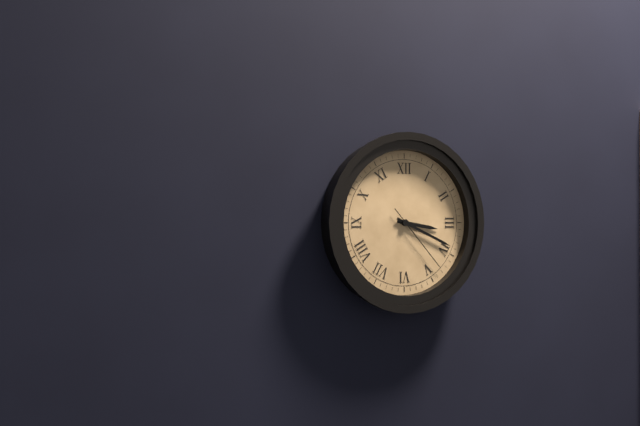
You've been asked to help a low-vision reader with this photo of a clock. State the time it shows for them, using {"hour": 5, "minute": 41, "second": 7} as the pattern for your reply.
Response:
{"hour": 3, "minute": 19, "second": 23}
